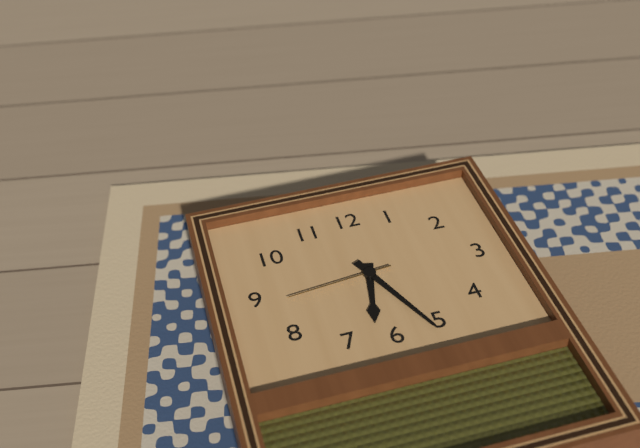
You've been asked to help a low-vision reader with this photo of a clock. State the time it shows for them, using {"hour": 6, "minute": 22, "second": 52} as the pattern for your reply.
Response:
{"hour": 6, "minute": 26, "second": 44}
